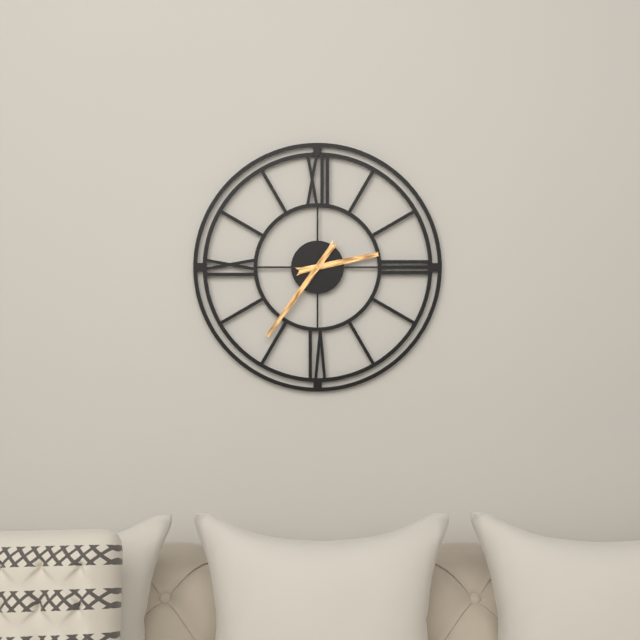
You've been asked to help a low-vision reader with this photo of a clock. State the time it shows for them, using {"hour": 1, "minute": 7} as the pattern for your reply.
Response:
{"hour": 2, "minute": 36}
